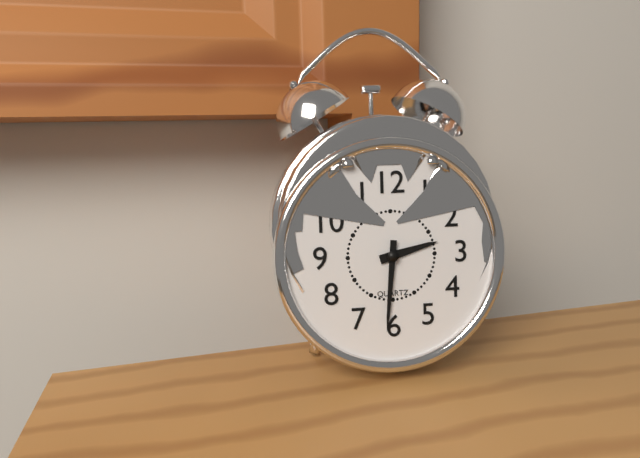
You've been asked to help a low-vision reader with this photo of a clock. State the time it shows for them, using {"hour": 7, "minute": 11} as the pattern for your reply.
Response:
{"hour": 2, "minute": 31}
